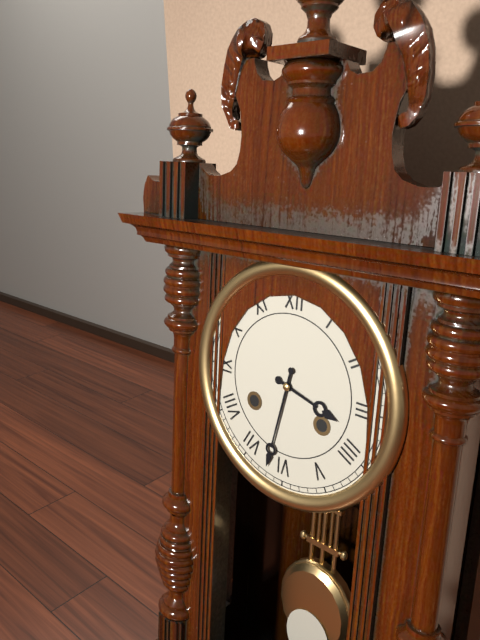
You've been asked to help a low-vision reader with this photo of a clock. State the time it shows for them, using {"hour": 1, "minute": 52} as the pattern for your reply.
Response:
{"hour": 3, "minute": 32}
